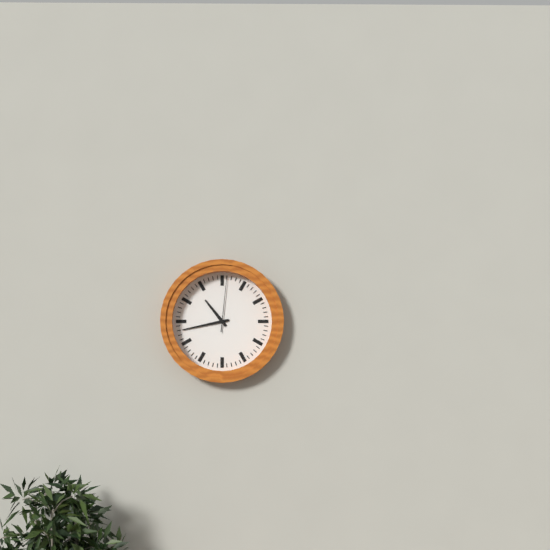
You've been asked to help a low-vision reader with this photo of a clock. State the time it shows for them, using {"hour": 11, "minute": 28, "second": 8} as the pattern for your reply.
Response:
{"hour": 10, "minute": 43, "second": 1}
